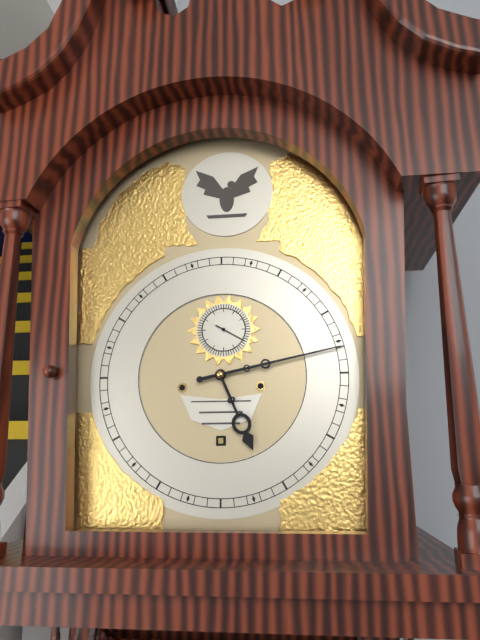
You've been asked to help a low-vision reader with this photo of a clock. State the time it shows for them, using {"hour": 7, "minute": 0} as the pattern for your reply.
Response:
{"hour": 5, "minute": 13}
